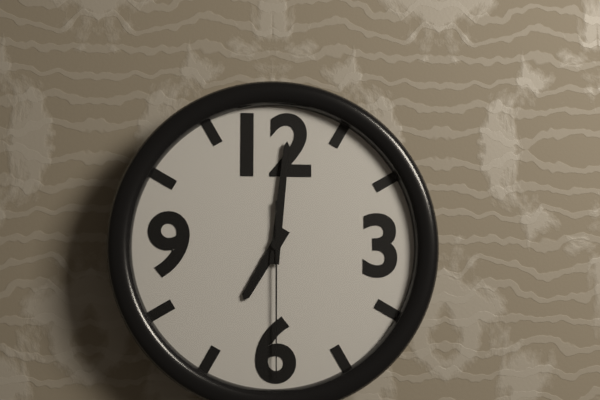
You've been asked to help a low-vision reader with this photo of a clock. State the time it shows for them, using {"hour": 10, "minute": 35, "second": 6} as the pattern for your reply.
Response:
{"hour": 7, "minute": 1, "second": 30}
